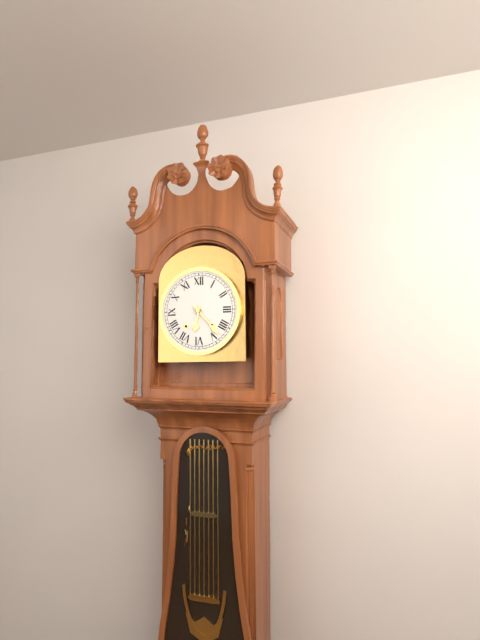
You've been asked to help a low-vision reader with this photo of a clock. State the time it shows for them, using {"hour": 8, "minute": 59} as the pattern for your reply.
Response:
{"hour": 6, "minute": 23}
